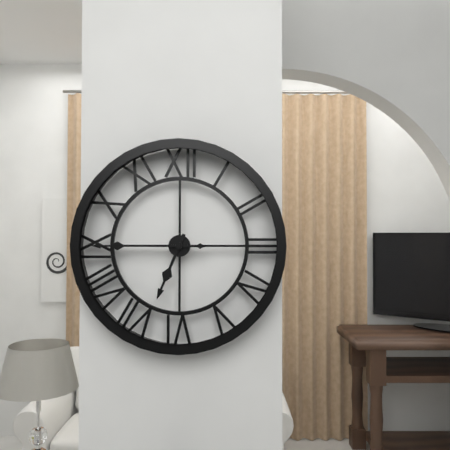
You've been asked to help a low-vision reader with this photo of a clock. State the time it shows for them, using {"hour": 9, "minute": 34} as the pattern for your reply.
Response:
{"hour": 6, "minute": 45}
